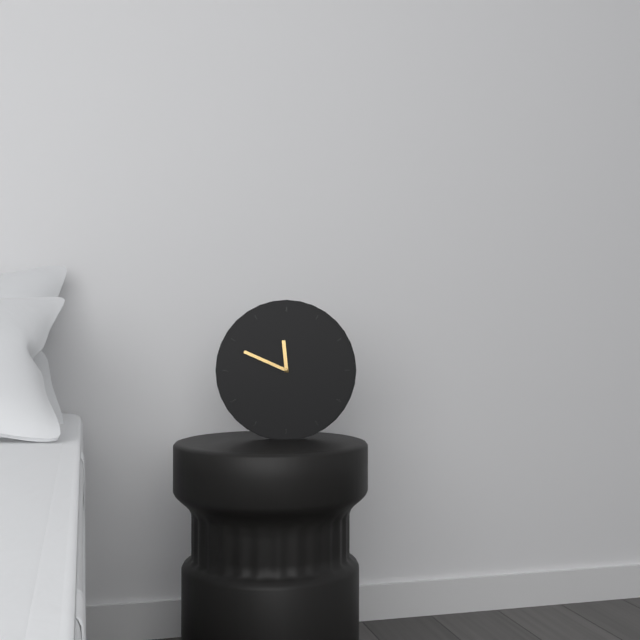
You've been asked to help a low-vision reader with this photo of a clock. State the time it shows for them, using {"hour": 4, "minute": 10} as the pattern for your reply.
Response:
{"hour": 11, "minute": 49}
